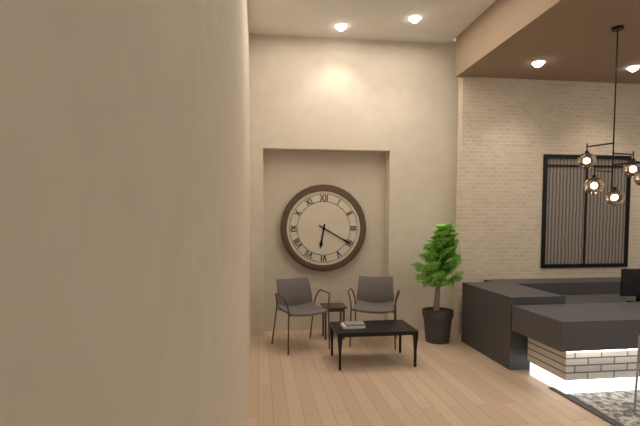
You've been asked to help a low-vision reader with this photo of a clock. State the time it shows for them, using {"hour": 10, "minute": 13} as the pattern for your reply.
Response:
{"hour": 6, "minute": 20}
